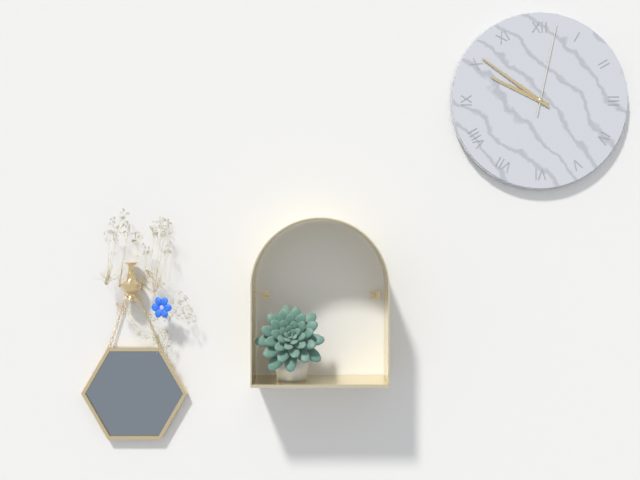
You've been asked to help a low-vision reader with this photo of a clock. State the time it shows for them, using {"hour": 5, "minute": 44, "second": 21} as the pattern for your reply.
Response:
{"hour": 9, "minute": 51, "second": 2}
